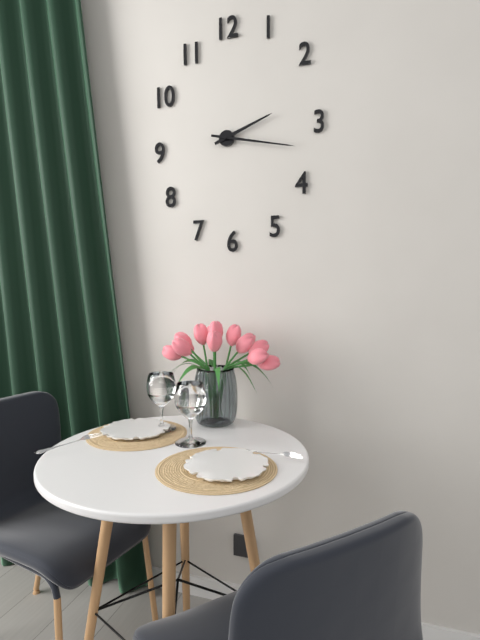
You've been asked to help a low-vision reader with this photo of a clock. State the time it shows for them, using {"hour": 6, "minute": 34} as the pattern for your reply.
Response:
{"hour": 2, "minute": 17}
